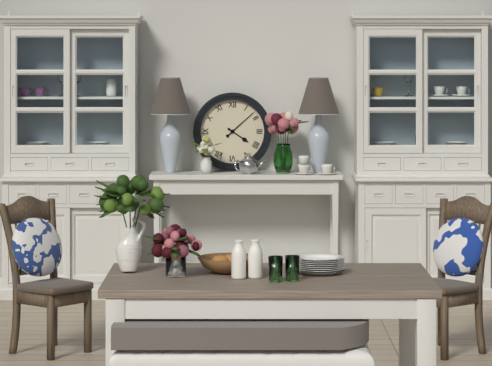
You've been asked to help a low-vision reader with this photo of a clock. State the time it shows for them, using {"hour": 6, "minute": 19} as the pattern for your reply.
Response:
{"hour": 4, "minute": 8}
